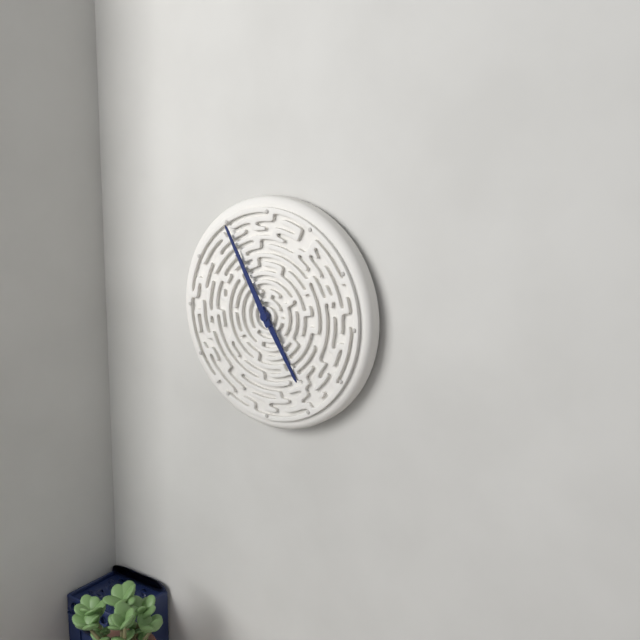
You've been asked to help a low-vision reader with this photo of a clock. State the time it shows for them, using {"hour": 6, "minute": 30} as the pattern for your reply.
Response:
{"hour": 4, "minute": 55}
